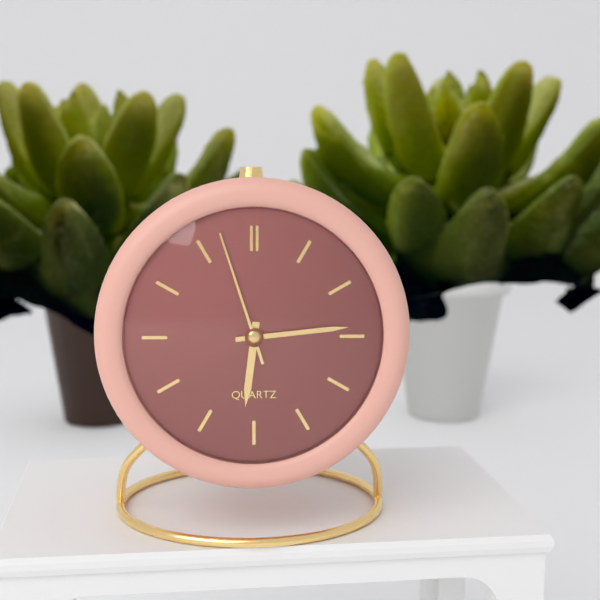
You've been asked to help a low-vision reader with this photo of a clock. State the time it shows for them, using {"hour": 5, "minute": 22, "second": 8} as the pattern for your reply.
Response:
{"hour": 6, "minute": 14, "second": 57}
